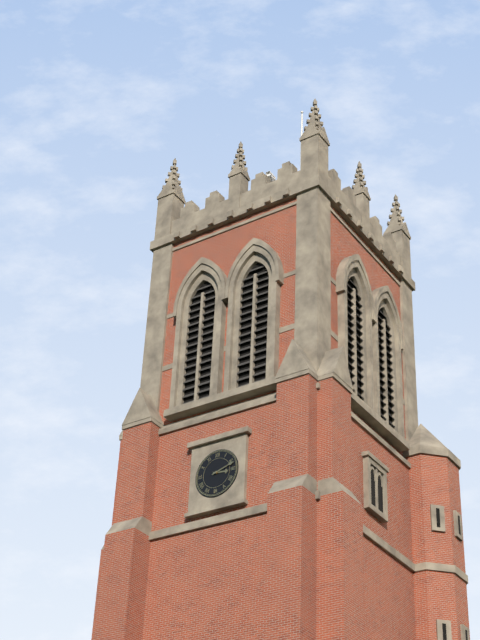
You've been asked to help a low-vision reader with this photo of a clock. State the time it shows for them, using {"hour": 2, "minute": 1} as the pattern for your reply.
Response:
{"hour": 3, "minute": 12}
